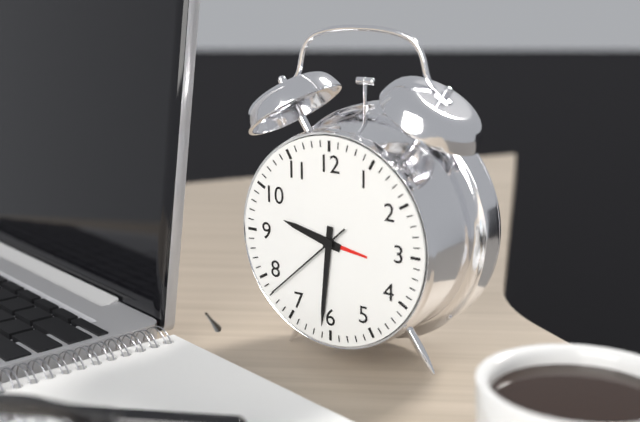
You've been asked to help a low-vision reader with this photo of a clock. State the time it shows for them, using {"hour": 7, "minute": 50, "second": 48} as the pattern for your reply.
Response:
{"hour": 9, "minute": 31, "second": 38}
